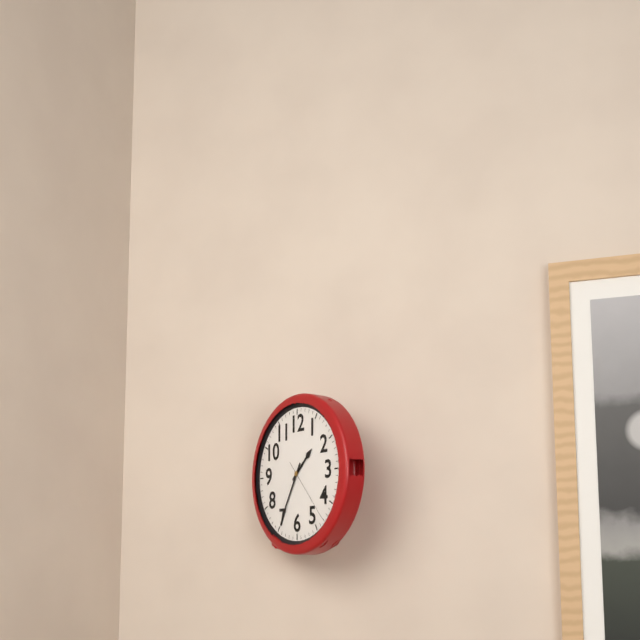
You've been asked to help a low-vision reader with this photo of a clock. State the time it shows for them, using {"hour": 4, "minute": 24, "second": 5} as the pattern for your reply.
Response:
{"hour": 1, "minute": 35, "second": 23}
